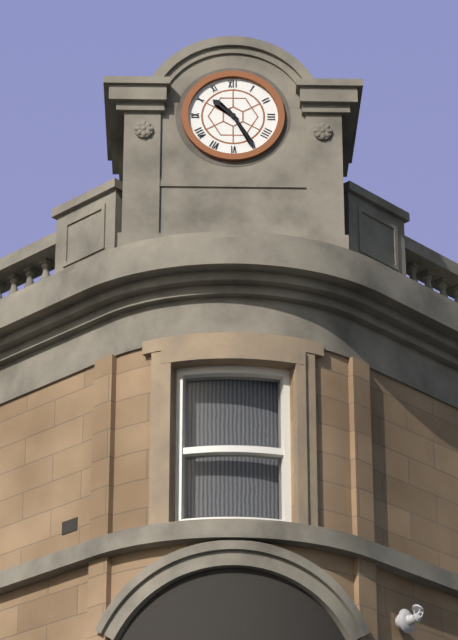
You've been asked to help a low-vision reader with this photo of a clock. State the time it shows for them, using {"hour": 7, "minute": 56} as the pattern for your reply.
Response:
{"hour": 10, "minute": 25}
